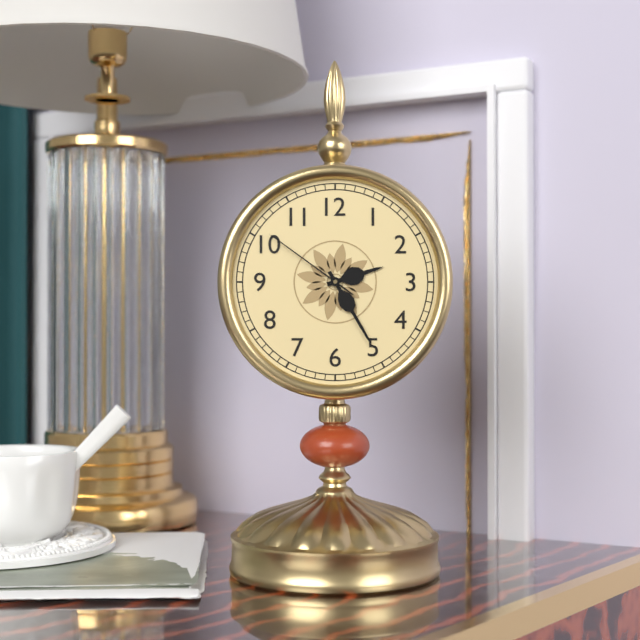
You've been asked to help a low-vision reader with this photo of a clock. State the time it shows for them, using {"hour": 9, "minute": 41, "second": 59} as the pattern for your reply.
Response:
{"hour": 2, "minute": 25, "second": 51}
